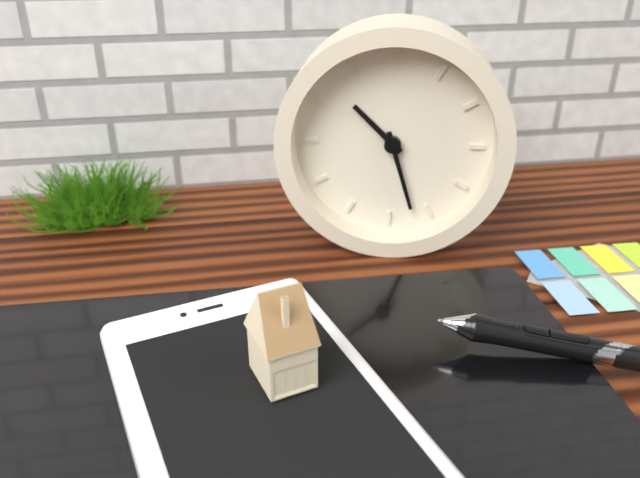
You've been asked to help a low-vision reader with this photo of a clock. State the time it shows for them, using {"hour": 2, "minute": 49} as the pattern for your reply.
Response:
{"hour": 10, "minute": 27}
